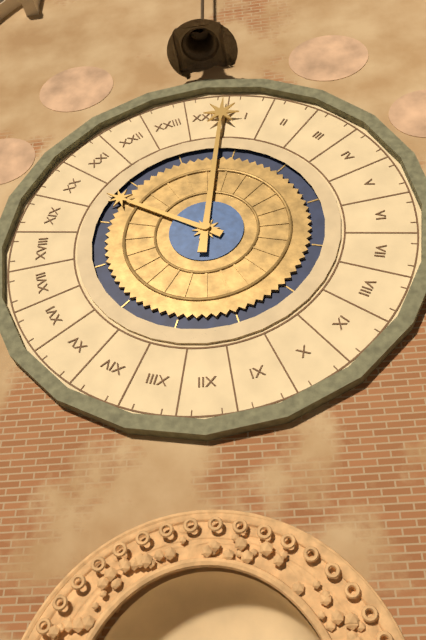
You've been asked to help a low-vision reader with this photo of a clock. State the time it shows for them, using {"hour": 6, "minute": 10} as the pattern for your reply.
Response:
{"hour": 10, "minute": 1}
